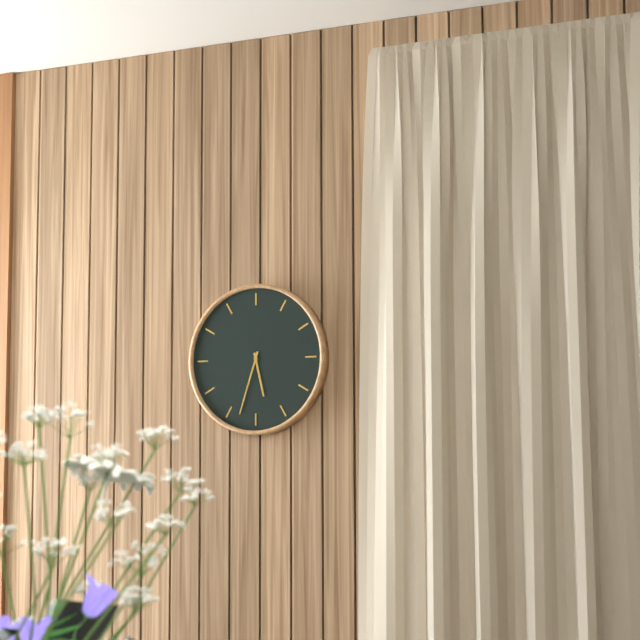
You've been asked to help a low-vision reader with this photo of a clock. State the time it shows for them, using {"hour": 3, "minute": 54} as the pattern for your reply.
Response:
{"hour": 5, "minute": 33}
